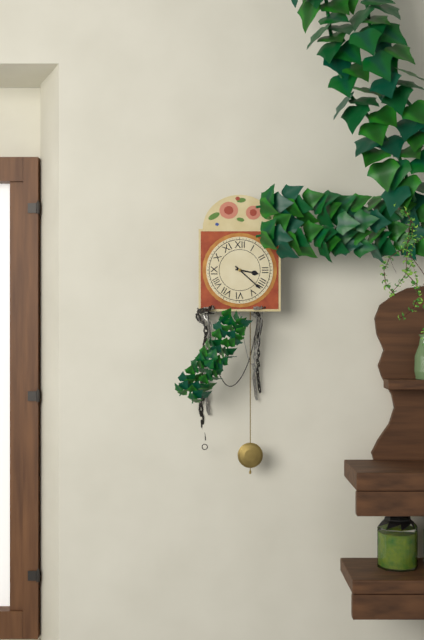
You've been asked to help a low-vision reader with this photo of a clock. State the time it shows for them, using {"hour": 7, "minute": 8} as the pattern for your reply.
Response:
{"hour": 3, "minute": 22}
